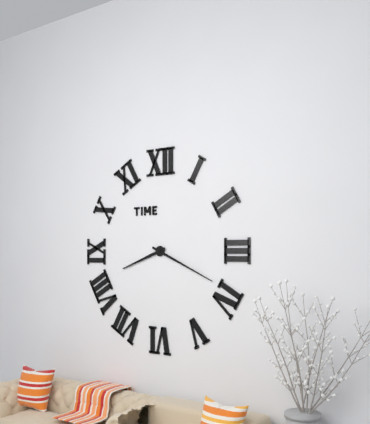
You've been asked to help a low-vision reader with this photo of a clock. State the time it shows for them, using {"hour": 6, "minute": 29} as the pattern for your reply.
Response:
{"hour": 8, "minute": 19}
